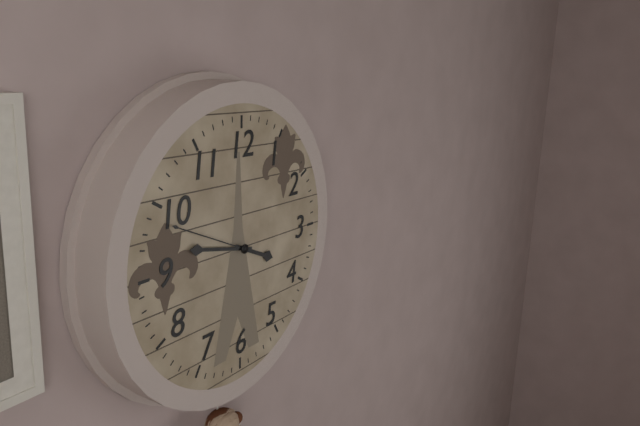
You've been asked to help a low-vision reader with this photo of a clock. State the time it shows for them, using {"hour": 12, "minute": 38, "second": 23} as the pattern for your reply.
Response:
{"hour": 3, "minute": 47, "second": 49}
